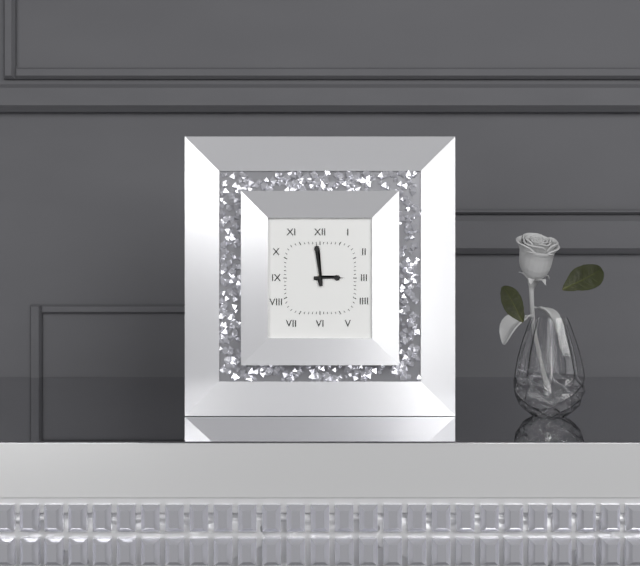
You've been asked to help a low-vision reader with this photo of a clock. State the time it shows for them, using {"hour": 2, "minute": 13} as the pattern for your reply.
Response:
{"hour": 2, "minute": 59}
